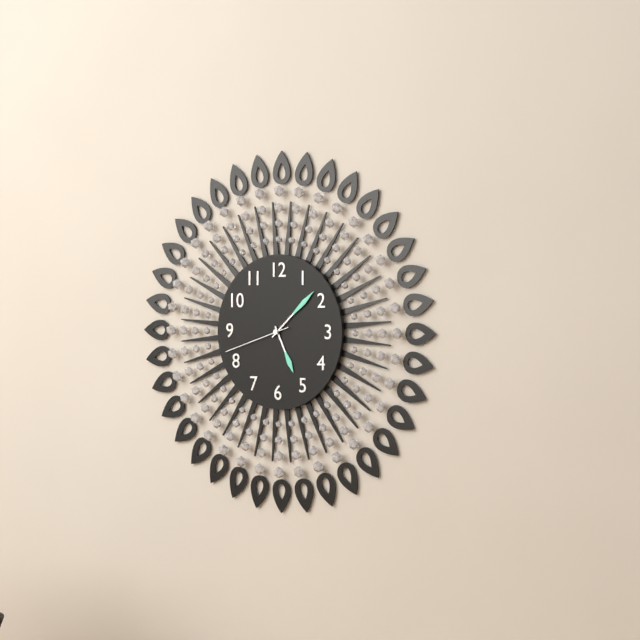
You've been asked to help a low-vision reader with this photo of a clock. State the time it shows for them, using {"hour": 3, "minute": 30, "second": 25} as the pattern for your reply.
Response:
{"hour": 5, "minute": 8, "second": 42}
